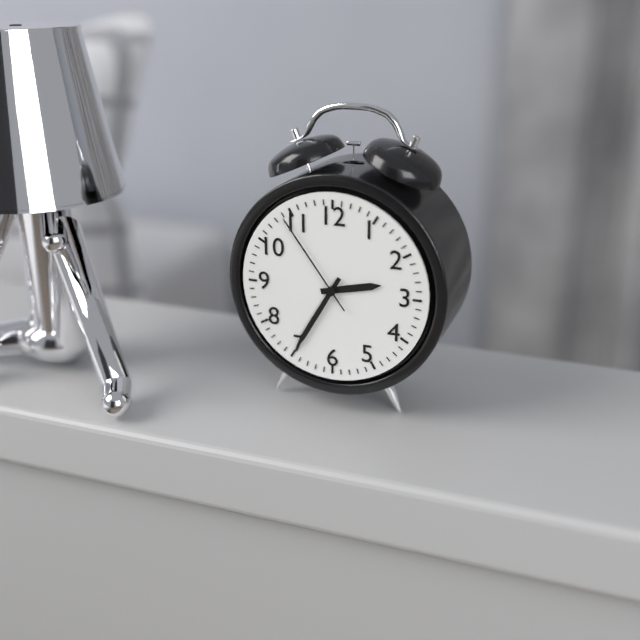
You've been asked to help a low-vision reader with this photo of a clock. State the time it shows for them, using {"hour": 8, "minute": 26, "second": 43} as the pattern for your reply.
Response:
{"hour": 2, "minute": 35, "second": 54}
